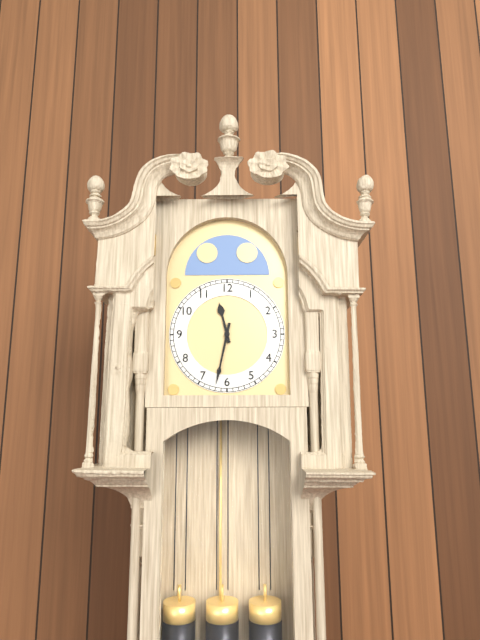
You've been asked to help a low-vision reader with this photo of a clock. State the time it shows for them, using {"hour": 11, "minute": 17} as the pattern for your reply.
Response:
{"hour": 11, "minute": 32}
